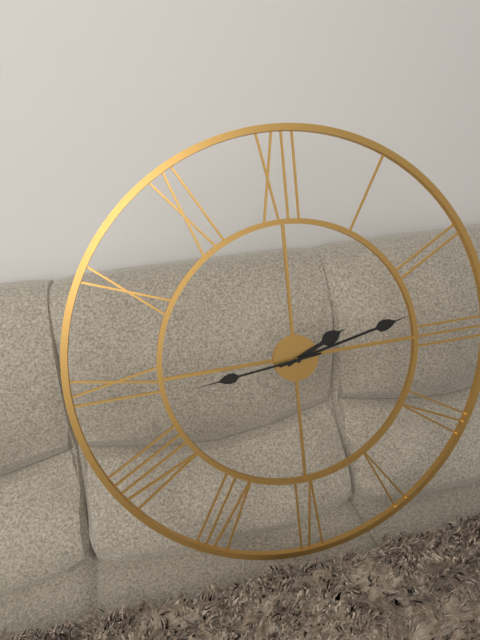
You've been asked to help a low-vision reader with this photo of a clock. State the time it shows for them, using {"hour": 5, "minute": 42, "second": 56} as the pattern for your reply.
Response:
{"hour": 2, "minute": 13, "second": 44}
